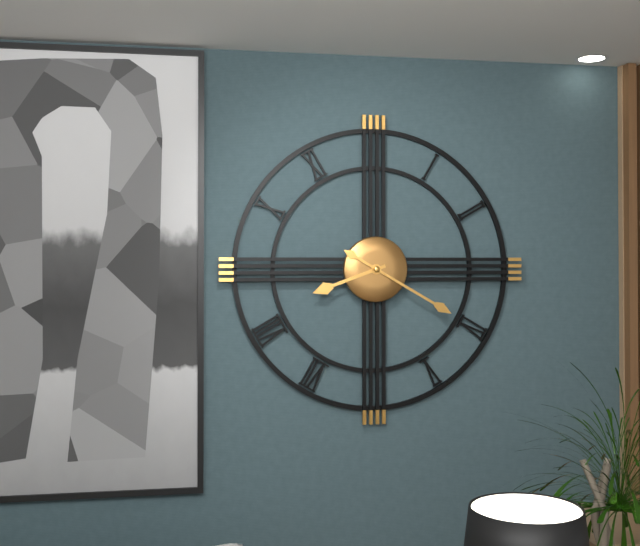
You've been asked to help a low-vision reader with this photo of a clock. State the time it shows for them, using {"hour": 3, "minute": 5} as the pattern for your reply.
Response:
{"hour": 8, "minute": 20}
